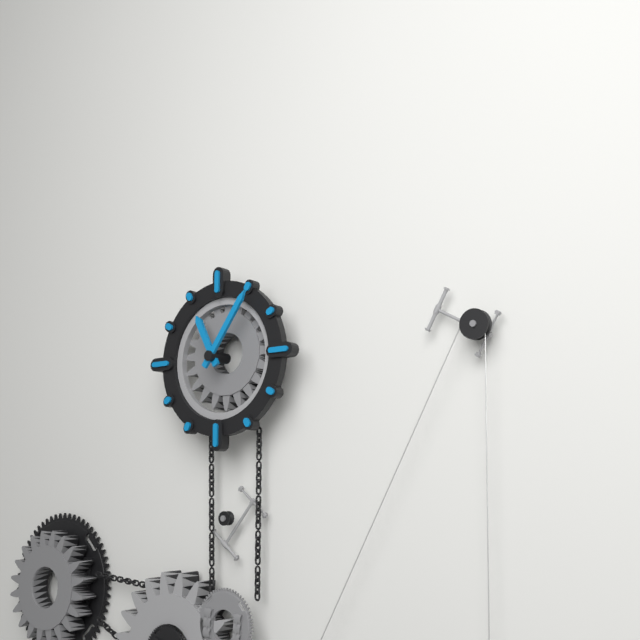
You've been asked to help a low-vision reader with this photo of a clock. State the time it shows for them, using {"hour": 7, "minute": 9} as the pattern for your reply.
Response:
{"hour": 11, "minute": 6}
